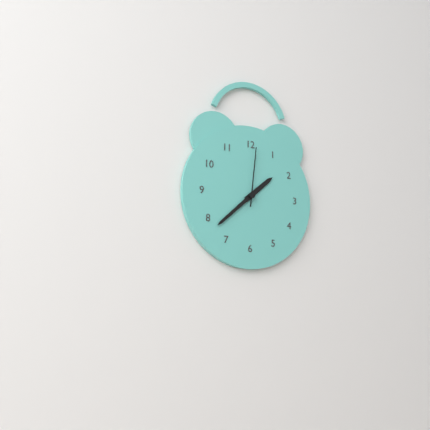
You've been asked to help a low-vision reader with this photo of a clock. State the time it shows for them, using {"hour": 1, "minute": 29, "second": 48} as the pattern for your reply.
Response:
{"hour": 1, "minute": 38, "second": 1}
